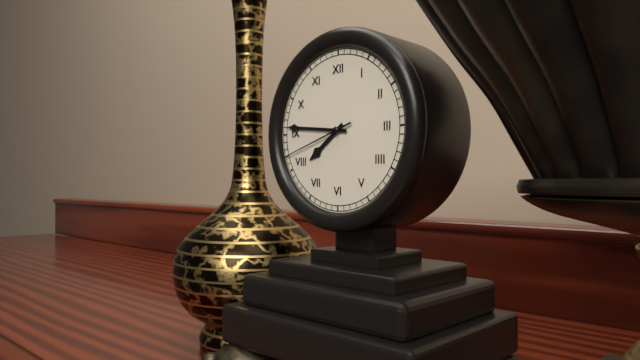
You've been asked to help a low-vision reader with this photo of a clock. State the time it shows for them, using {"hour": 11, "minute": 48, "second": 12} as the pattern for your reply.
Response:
{"hour": 7, "minute": 46, "second": 42}
